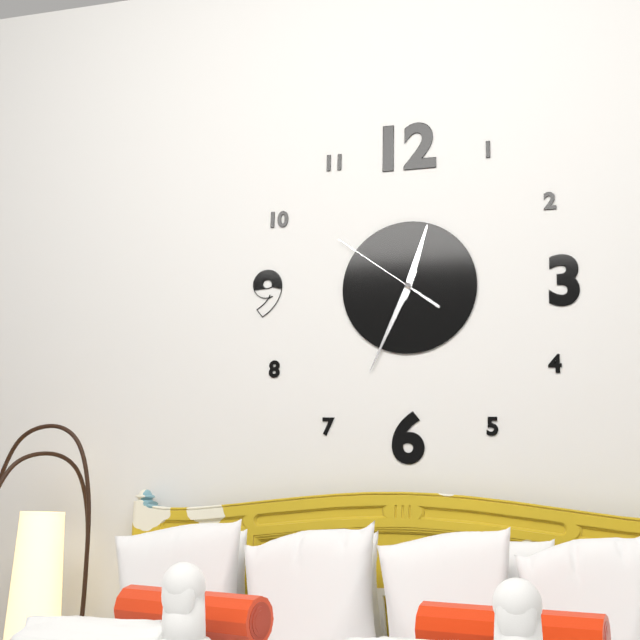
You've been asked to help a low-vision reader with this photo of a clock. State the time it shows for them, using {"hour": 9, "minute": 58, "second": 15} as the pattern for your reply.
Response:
{"hour": 12, "minute": 34, "second": 51}
